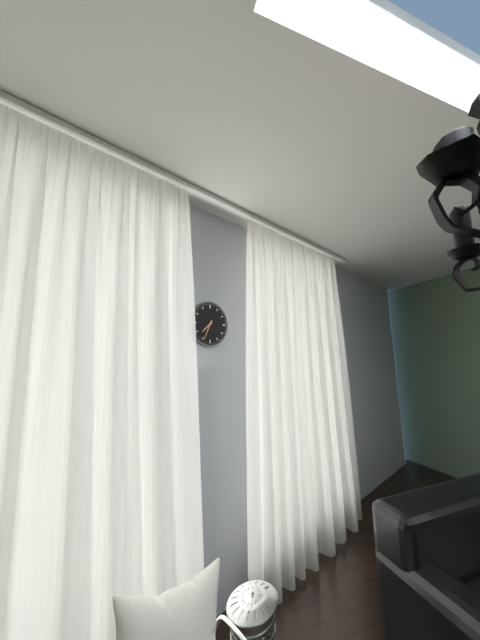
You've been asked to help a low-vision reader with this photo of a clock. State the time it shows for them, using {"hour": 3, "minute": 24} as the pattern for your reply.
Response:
{"hour": 7, "minute": 34}
